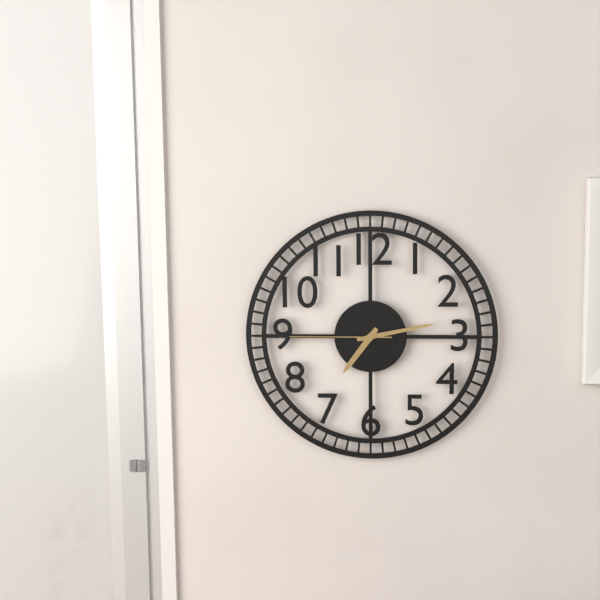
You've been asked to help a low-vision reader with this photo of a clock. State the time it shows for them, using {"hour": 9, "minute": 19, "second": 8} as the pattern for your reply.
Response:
{"hour": 7, "minute": 13, "second": 45}
